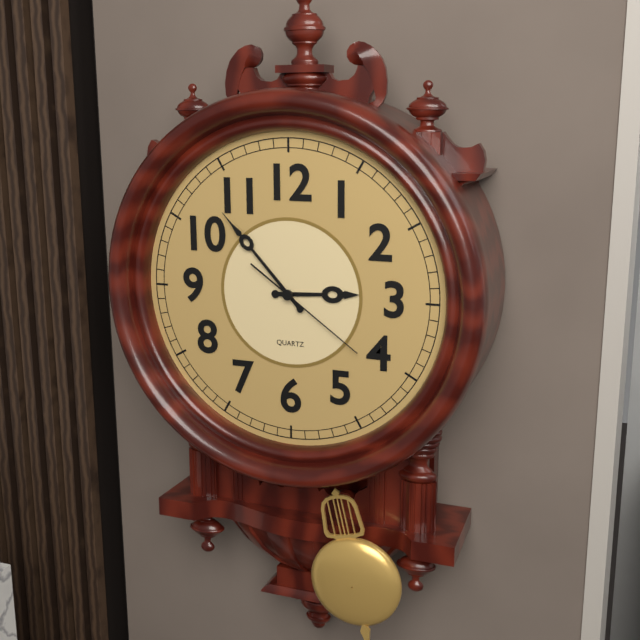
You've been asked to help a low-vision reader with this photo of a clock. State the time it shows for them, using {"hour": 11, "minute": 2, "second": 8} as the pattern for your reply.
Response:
{"hour": 2, "minute": 53, "second": 21}
